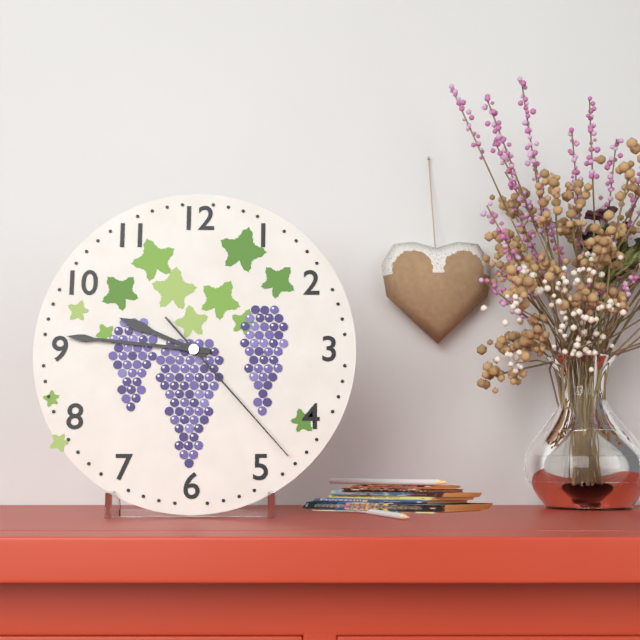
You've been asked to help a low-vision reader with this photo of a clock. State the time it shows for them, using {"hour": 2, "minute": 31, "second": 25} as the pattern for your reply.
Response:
{"hour": 9, "minute": 46, "second": 23}
